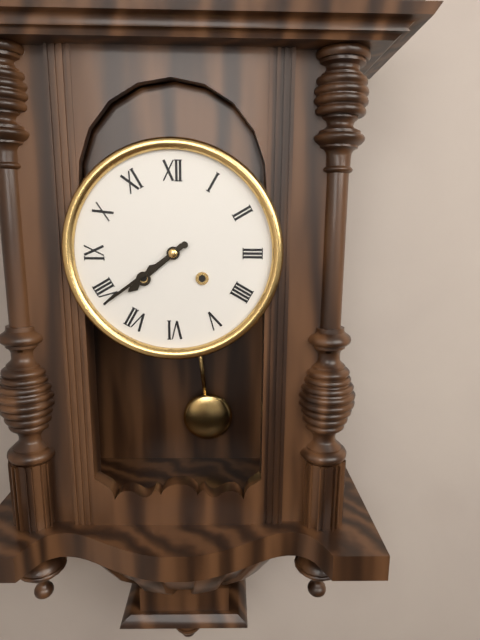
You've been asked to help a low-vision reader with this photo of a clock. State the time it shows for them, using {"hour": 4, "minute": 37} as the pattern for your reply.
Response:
{"hour": 7, "minute": 39}
